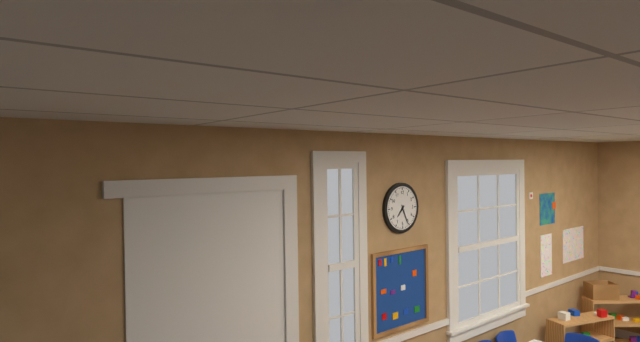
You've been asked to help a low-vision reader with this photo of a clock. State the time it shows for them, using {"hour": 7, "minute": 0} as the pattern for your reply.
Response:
{"hour": 7, "minute": 26}
